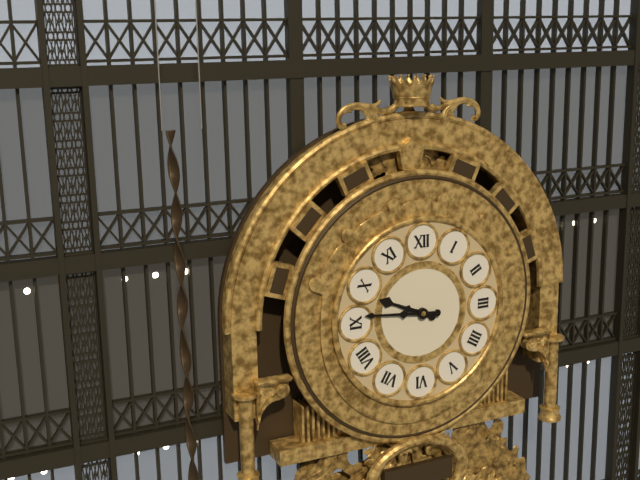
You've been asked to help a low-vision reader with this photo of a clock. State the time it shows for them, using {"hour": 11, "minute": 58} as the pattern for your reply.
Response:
{"hour": 9, "minute": 46}
